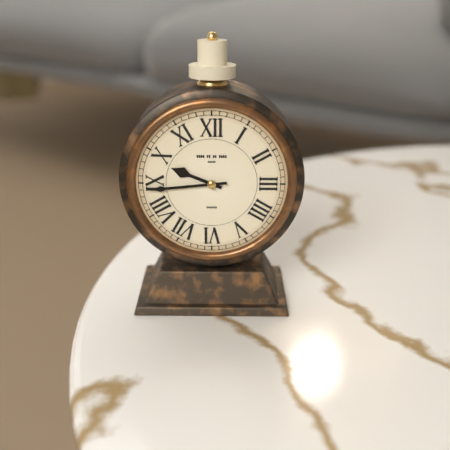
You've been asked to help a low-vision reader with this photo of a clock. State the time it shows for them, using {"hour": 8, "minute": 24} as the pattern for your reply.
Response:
{"hour": 9, "minute": 44}
